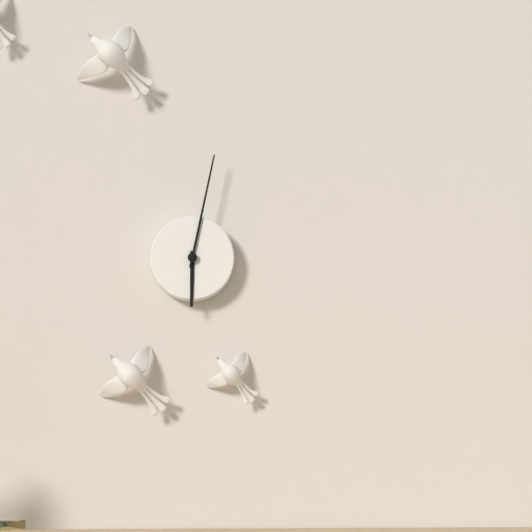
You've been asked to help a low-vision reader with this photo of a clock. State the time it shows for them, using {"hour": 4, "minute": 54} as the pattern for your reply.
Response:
{"hour": 6, "minute": 2}
